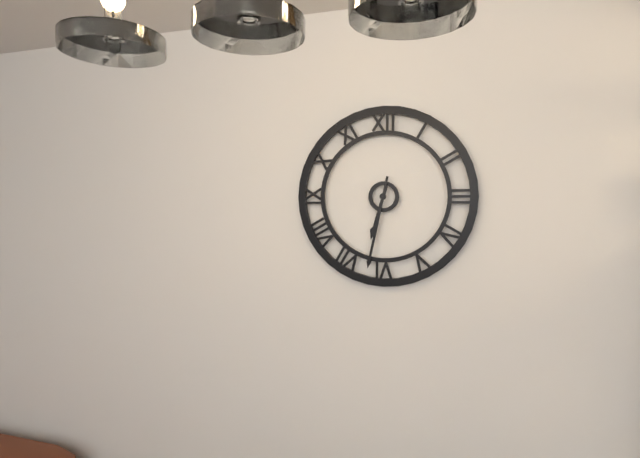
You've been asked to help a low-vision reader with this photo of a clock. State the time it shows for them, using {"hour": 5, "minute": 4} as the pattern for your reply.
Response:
{"hour": 6, "minute": 32}
